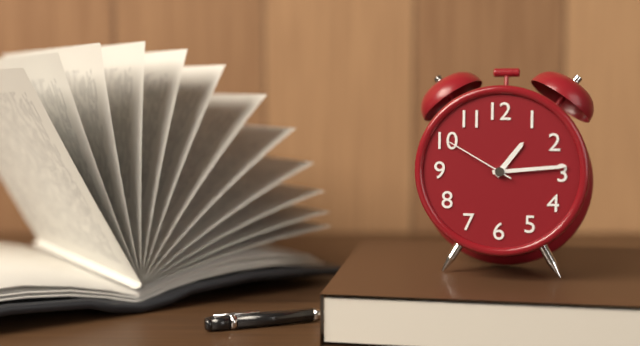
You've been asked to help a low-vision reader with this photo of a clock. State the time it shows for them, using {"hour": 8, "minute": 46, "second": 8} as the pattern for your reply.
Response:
{"hour": 1, "minute": 14, "second": 50}
